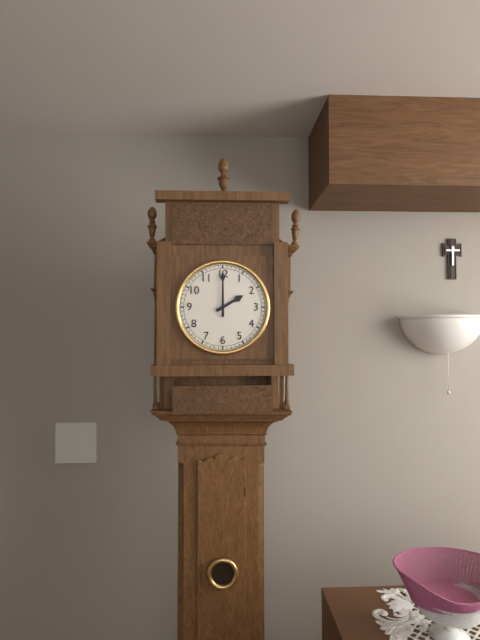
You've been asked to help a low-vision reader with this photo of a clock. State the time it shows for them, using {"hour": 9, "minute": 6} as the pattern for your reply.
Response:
{"hour": 2, "minute": 0}
